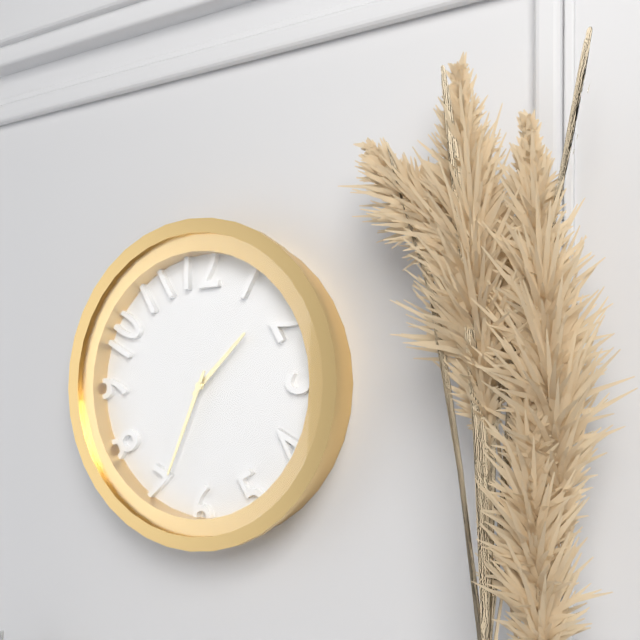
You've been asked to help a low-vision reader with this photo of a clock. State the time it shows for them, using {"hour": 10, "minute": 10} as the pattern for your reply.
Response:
{"hour": 1, "minute": 34}
